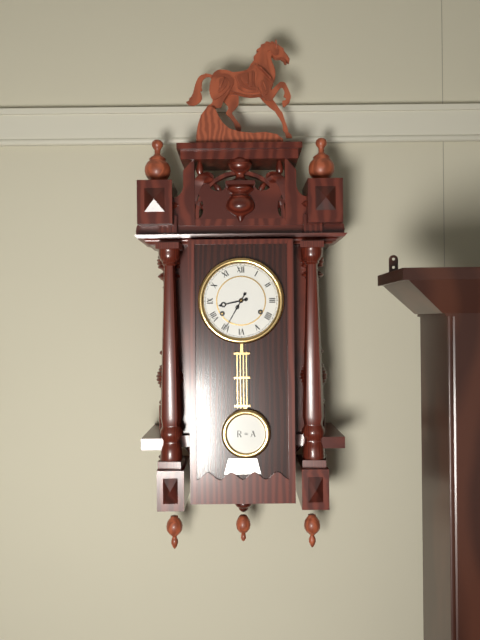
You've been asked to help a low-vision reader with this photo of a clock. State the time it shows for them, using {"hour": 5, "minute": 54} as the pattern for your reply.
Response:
{"hour": 8, "minute": 35}
